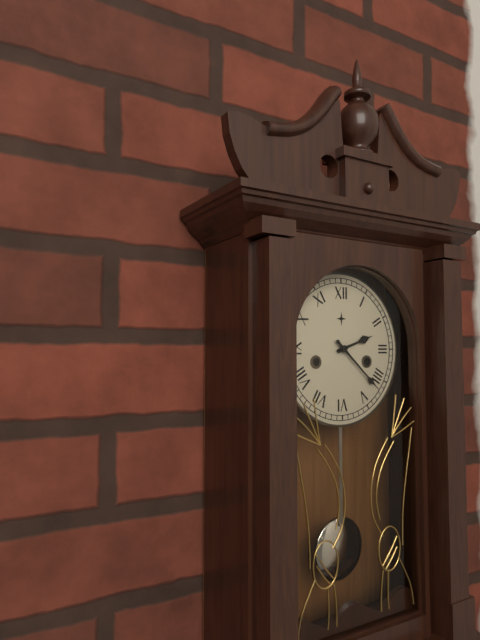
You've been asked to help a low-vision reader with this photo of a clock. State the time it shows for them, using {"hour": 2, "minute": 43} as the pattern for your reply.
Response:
{"hour": 2, "minute": 22}
